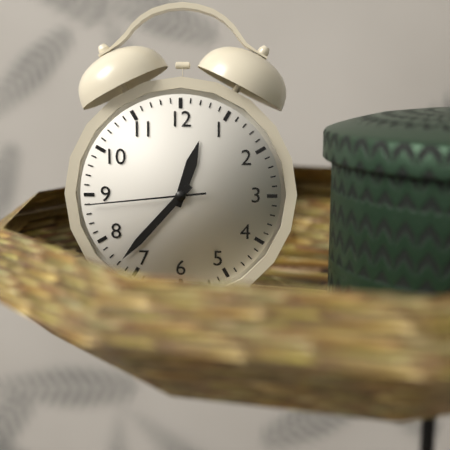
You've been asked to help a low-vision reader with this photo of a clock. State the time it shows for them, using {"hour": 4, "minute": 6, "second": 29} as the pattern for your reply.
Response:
{"hour": 12, "minute": 37, "second": 44}
